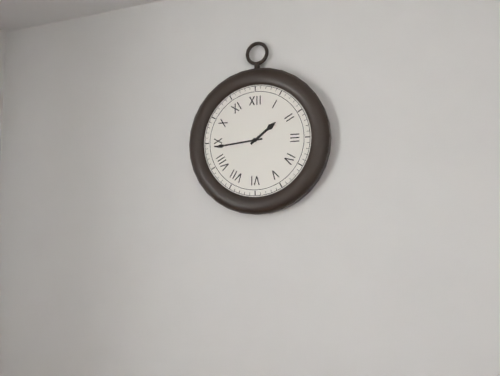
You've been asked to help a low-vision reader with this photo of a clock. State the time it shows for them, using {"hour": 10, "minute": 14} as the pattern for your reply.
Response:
{"hour": 1, "minute": 44}
